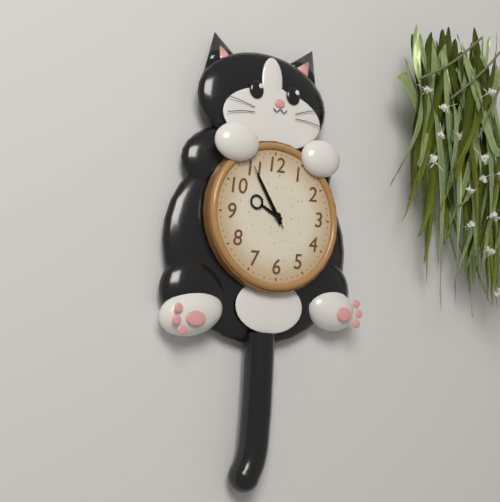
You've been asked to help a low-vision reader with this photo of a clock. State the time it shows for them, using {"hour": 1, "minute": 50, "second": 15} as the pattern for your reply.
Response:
{"hour": 9, "minute": 55, "second": 55}
